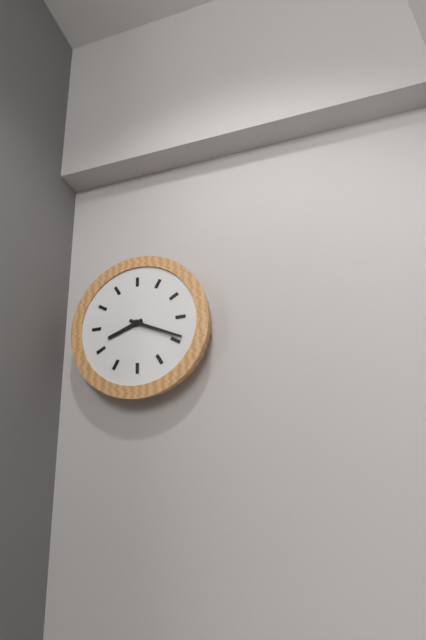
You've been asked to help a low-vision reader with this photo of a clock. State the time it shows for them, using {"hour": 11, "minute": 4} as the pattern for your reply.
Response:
{"hour": 8, "minute": 19}
